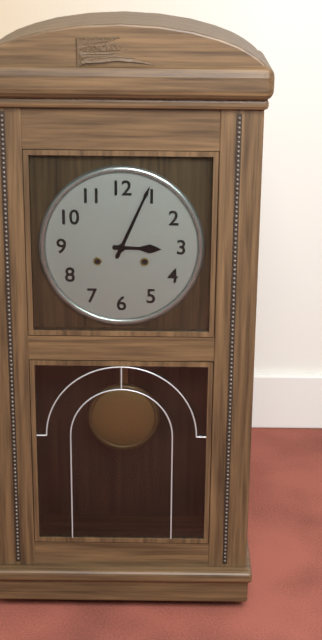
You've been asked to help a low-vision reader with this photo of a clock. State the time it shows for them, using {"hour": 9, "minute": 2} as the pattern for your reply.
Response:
{"hour": 3, "minute": 4}
